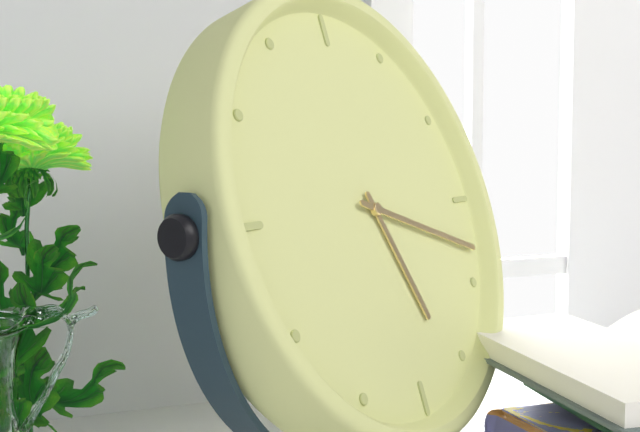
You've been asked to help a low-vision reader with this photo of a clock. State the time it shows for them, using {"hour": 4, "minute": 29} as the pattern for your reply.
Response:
{"hour": 5, "minute": 18}
